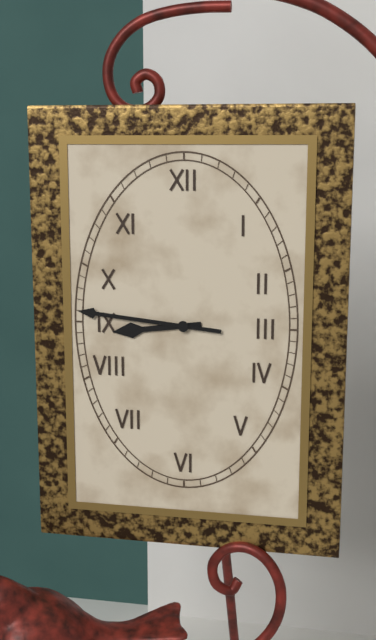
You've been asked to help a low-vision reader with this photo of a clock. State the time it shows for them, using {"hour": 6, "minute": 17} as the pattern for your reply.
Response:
{"hour": 8, "minute": 46}
